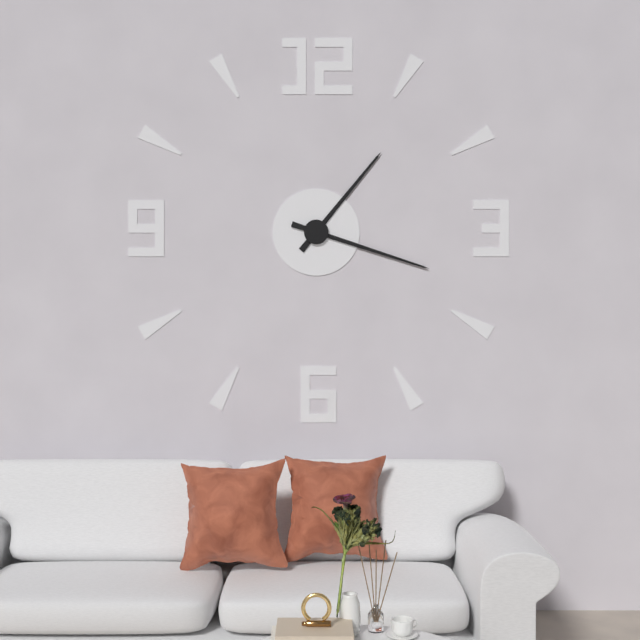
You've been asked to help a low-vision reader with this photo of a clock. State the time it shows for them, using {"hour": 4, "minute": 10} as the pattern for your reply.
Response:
{"hour": 1, "minute": 18}
